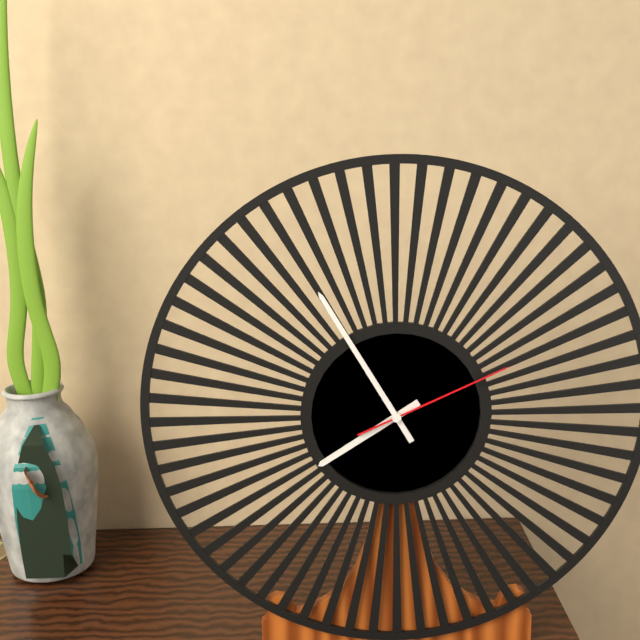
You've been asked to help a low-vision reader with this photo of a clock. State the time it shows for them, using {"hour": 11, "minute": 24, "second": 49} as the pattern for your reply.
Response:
{"hour": 7, "minute": 55, "second": 11}
